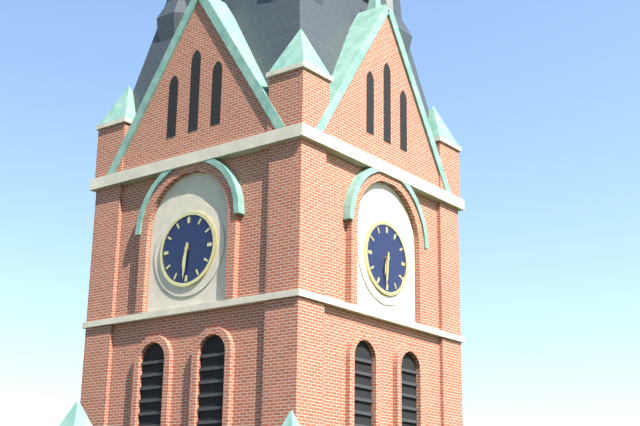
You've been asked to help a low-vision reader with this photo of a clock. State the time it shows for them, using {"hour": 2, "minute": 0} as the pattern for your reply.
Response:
{"hour": 6, "minute": 31}
